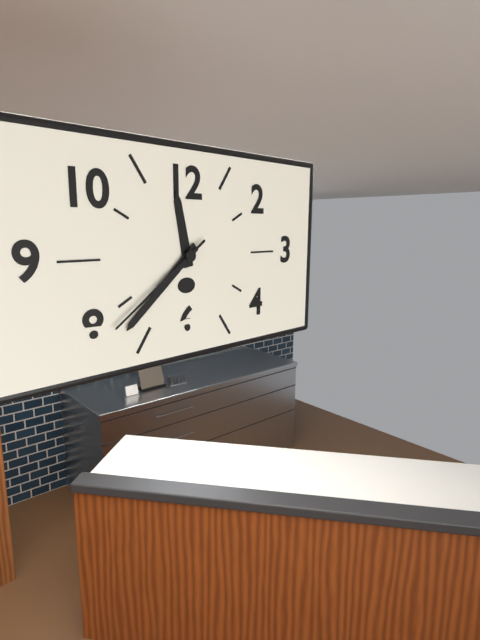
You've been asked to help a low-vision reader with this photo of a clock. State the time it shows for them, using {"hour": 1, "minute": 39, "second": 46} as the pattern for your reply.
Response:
{"hour": 11, "minute": 38, "second": 39}
